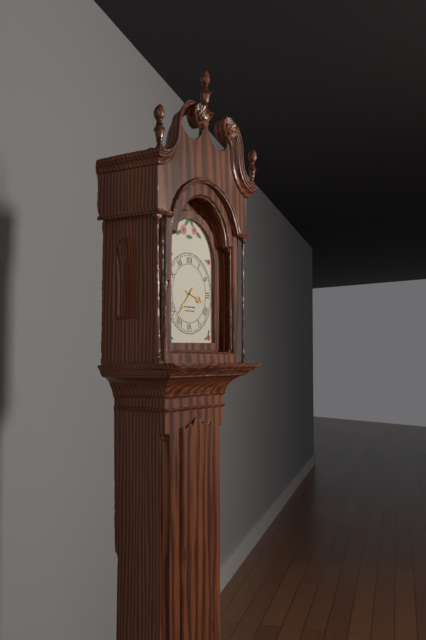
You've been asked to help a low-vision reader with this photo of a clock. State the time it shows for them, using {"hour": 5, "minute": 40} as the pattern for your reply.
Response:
{"hour": 3, "minute": 37}
